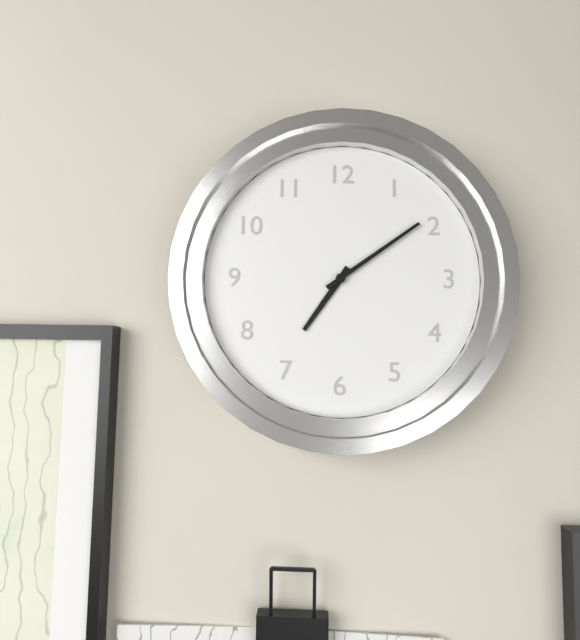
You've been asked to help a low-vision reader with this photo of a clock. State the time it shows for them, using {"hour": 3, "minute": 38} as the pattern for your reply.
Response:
{"hour": 7, "minute": 9}
